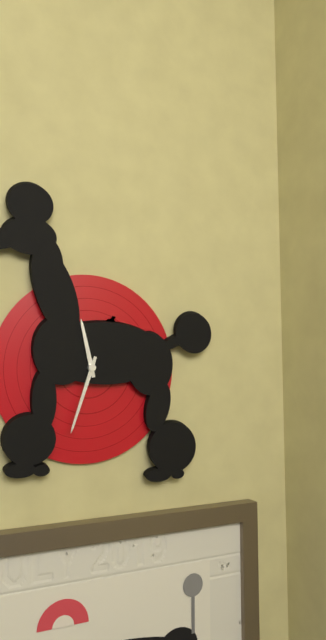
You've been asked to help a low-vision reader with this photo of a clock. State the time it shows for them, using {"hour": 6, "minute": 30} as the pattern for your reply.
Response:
{"hour": 11, "minute": 33}
